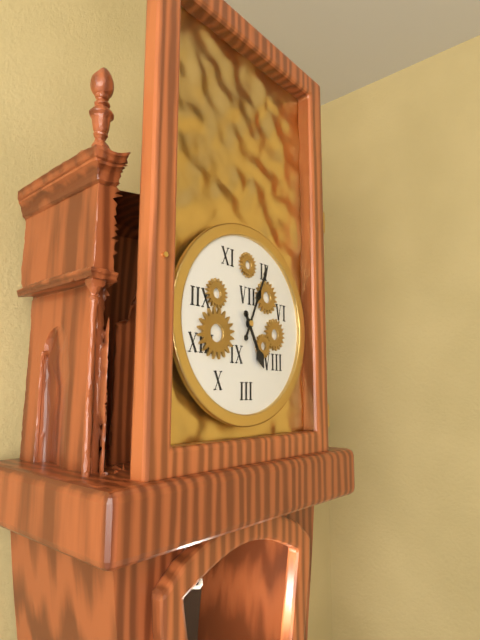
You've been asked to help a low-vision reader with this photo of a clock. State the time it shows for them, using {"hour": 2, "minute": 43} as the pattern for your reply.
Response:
{"hour": 5, "minute": 4}
